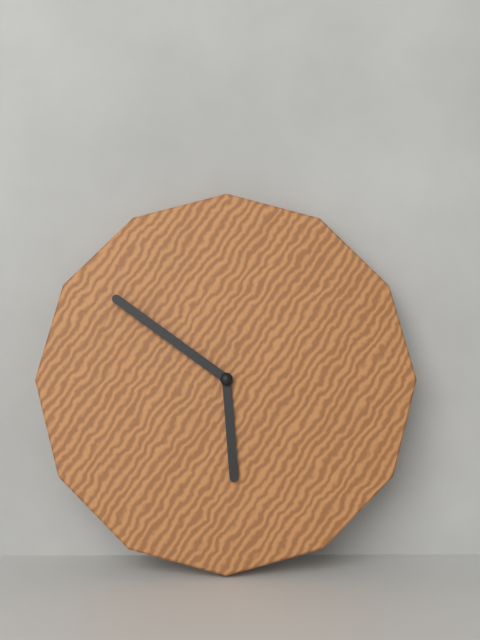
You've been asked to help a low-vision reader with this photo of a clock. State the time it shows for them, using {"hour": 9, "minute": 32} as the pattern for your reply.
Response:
{"hour": 5, "minute": 51}
